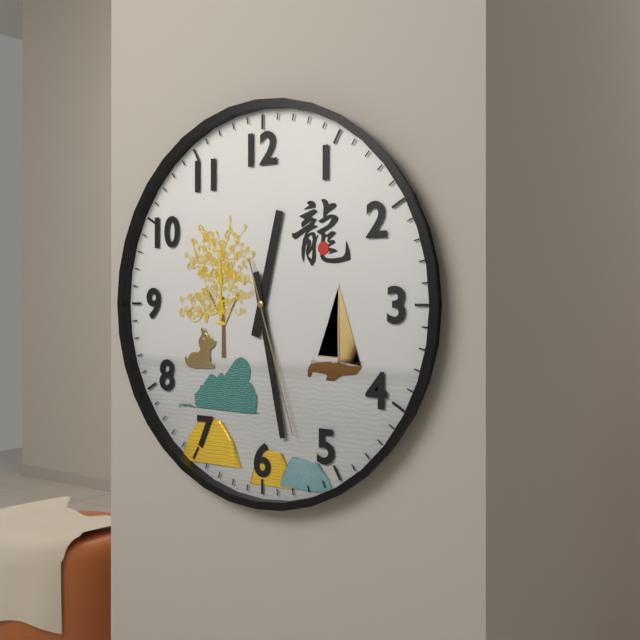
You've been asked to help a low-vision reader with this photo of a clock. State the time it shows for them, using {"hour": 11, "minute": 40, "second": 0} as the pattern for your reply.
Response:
{"hour": 12, "minute": 28, "second": 27}
